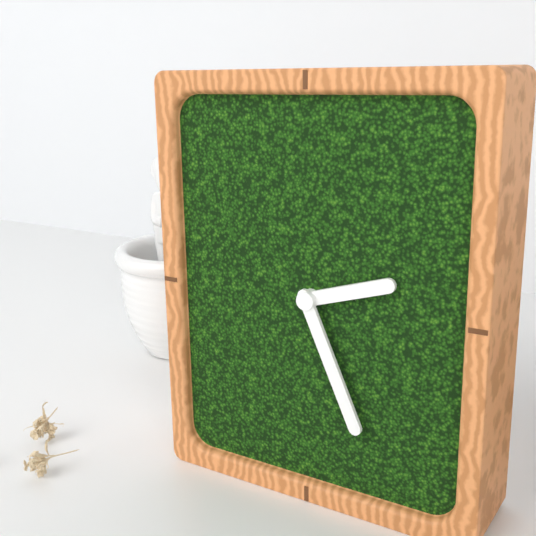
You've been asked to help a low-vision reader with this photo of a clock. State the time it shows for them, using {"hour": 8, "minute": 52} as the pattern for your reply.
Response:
{"hour": 2, "minute": 26}
